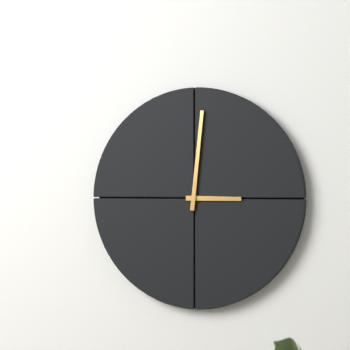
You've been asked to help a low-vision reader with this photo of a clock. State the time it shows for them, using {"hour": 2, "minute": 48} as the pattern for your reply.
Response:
{"hour": 3, "minute": 1}
